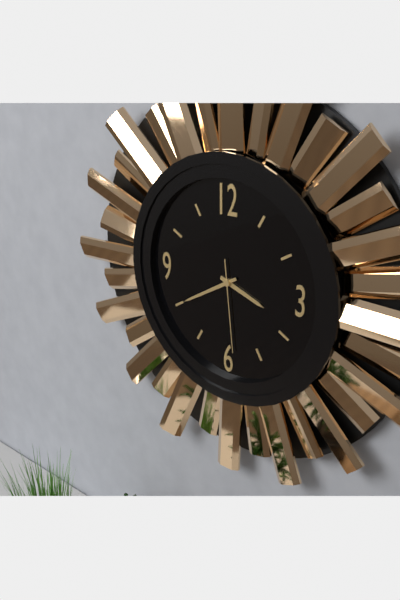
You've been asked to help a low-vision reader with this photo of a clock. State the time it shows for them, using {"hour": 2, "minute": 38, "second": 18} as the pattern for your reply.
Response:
{"hour": 3, "minute": 40, "second": 29}
